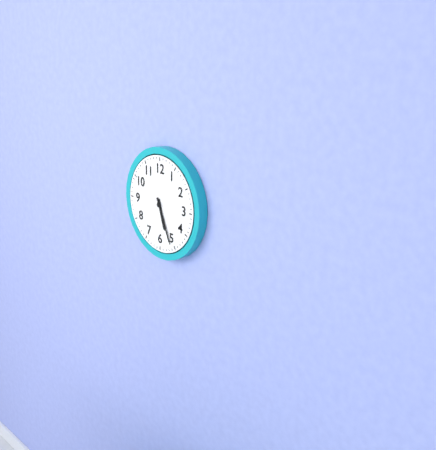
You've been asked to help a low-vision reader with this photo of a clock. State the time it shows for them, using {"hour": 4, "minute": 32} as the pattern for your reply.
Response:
{"hour": 5, "minute": 26}
